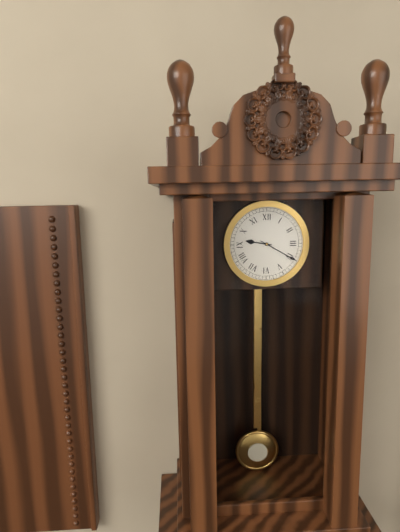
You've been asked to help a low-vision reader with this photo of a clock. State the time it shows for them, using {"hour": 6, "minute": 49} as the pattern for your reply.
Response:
{"hour": 9, "minute": 20}
